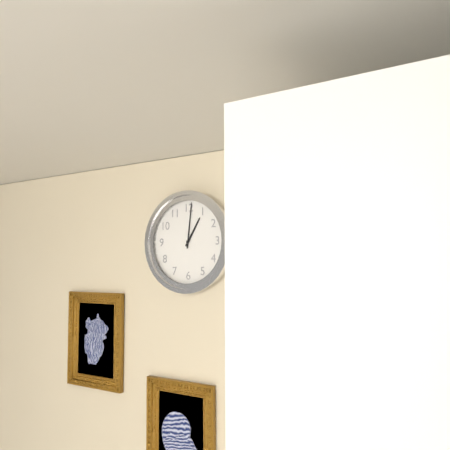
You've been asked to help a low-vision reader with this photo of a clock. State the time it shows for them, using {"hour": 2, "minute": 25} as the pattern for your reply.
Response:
{"hour": 1, "minute": 1}
